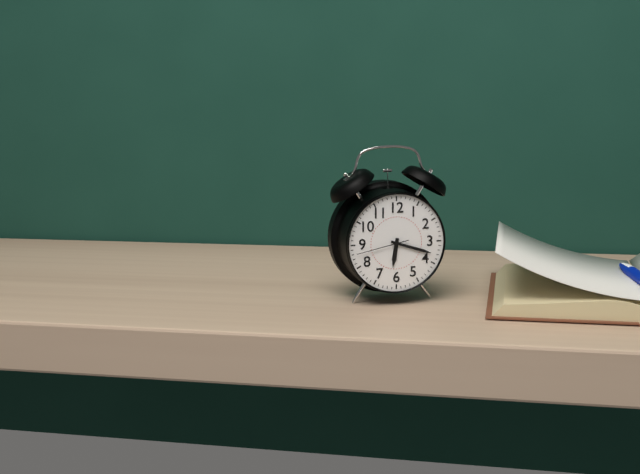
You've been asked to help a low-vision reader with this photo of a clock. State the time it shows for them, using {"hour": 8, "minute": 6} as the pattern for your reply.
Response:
{"hour": 6, "minute": 18}
